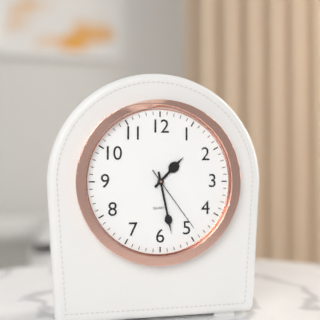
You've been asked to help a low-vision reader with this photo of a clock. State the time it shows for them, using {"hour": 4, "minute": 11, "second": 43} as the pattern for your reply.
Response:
{"hour": 1, "minute": 28, "second": 24}
